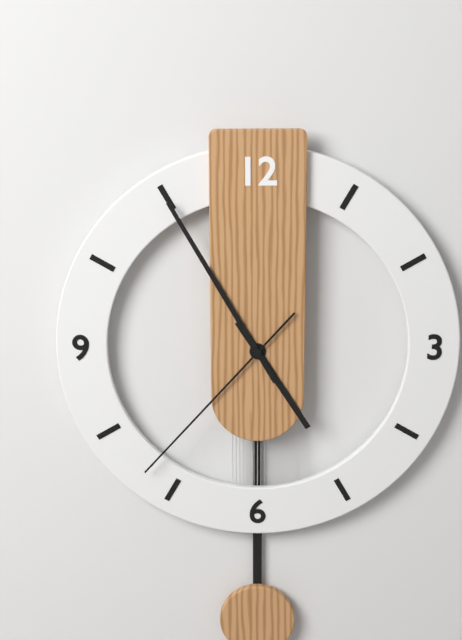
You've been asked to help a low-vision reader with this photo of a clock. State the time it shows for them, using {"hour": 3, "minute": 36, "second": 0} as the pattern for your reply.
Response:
{"hour": 4, "minute": 55, "second": 37}
